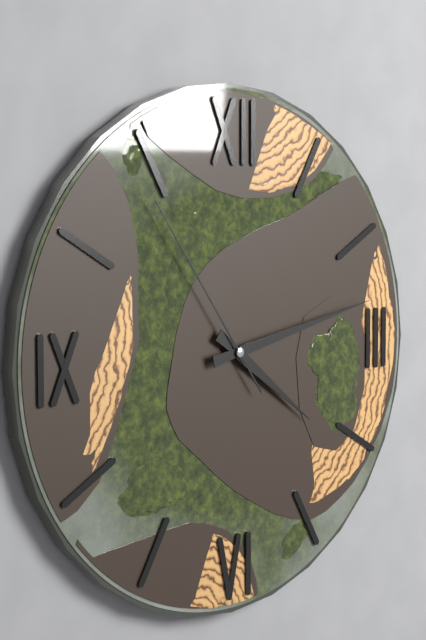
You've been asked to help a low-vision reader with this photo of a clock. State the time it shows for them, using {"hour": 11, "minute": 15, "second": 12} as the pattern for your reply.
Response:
{"hour": 4, "minute": 13, "second": 54}
